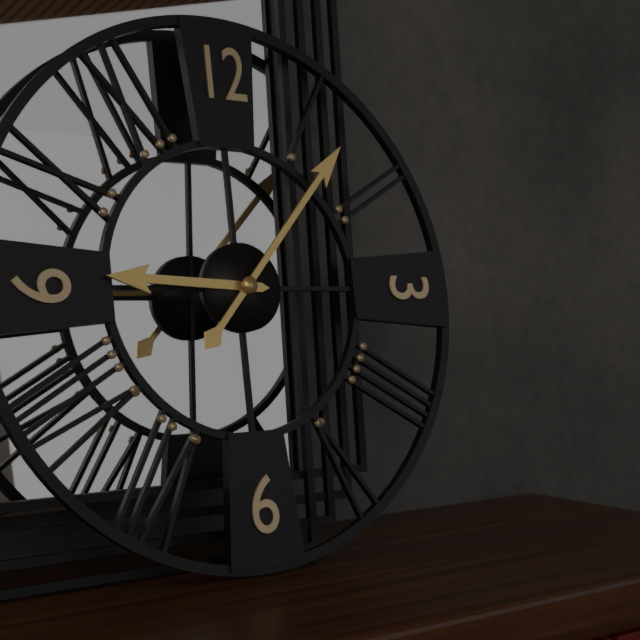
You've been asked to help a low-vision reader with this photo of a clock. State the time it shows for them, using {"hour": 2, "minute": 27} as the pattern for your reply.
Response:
{"hour": 9, "minute": 7}
